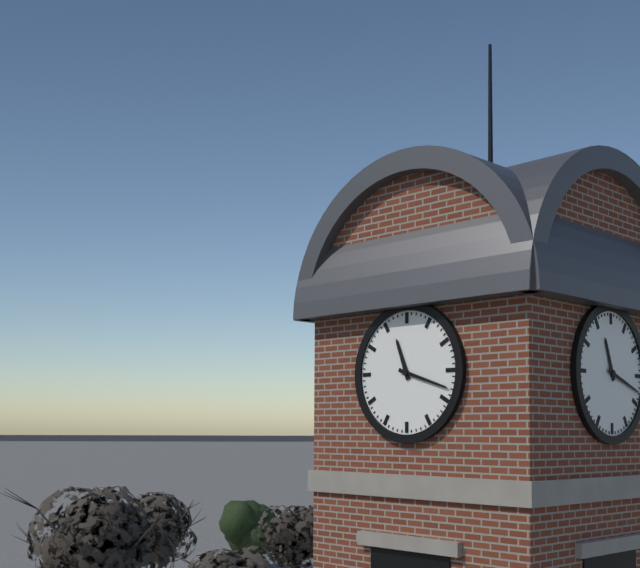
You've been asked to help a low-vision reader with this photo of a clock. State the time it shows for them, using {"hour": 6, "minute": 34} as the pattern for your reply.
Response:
{"hour": 11, "minute": 18}
